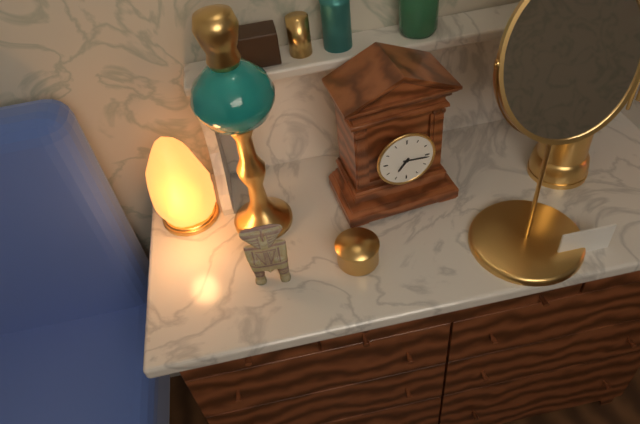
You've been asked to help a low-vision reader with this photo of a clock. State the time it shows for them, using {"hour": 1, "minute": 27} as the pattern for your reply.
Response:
{"hour": 7, "minute": 16}
